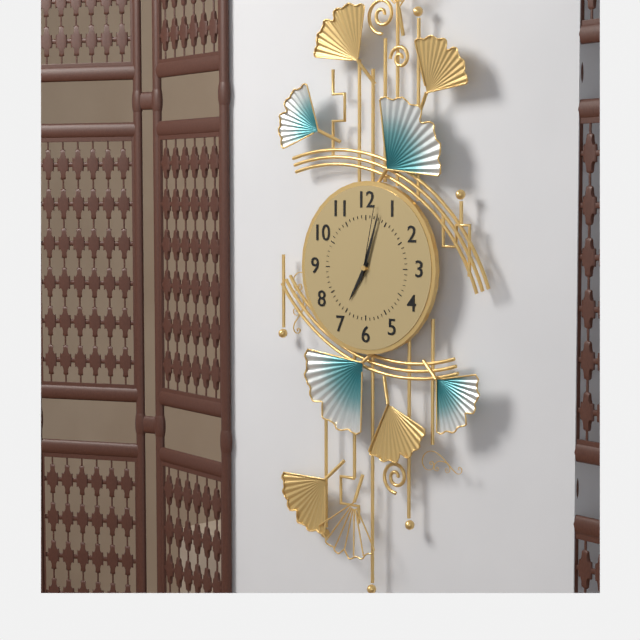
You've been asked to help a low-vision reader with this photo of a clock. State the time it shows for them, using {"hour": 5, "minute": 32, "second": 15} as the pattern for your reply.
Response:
{"hour": 7, "minute": 3, "second": 2}
